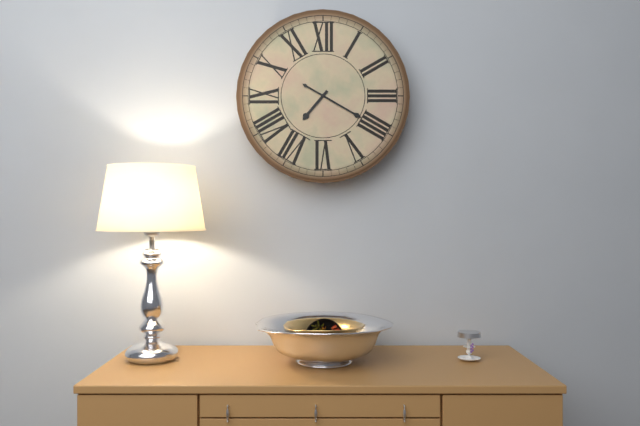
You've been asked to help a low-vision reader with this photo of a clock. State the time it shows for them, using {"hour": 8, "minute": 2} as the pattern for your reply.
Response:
{"hour": 7, "minute": 20}
